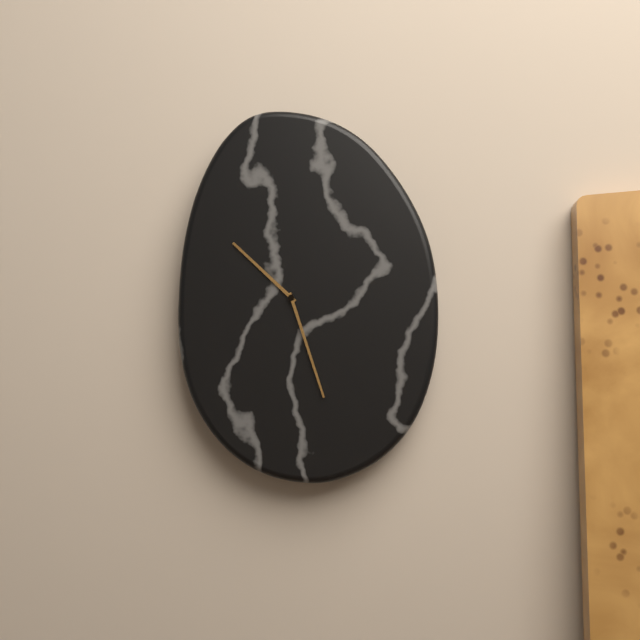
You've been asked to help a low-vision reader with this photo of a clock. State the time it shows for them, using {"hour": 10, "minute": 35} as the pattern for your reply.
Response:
{"hour": 10, "minute": 27}
